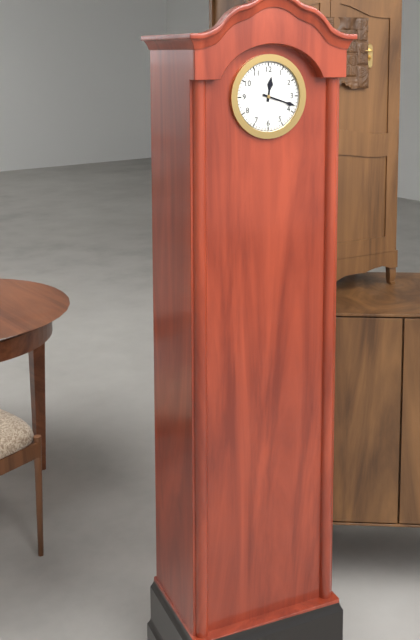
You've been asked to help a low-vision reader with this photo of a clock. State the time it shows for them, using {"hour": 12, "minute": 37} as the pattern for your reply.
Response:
{"hour": 12, "minute": 18}
